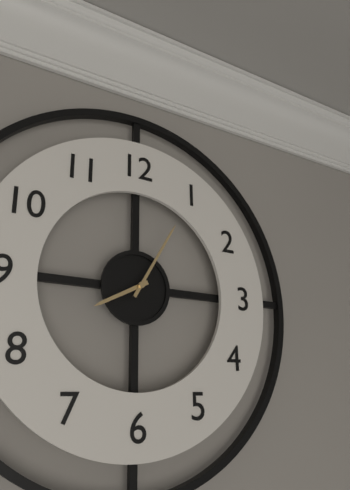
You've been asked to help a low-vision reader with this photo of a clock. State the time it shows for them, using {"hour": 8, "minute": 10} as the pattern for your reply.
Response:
{"hour": 8, "minute": 5}
